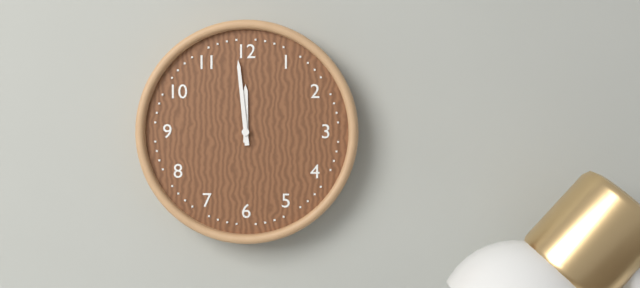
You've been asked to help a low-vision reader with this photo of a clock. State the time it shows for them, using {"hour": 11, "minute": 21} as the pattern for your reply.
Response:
{"hour": 11, "minute": 59}
